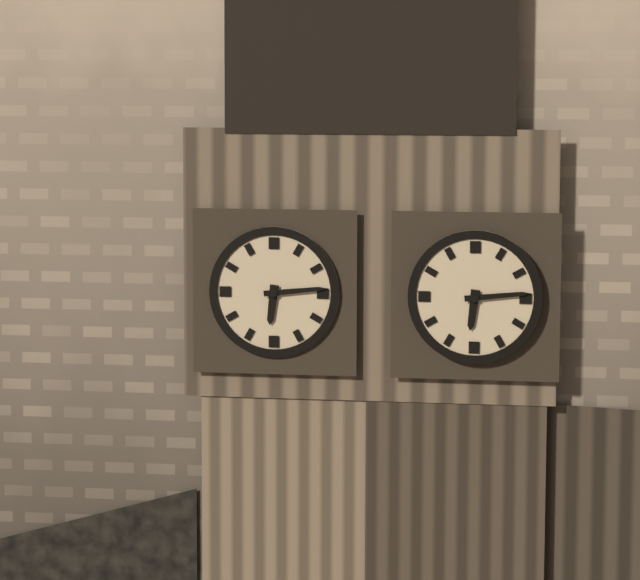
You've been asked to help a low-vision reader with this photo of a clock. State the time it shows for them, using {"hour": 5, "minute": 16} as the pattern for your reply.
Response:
{"hour": 6, "minute": 14}
